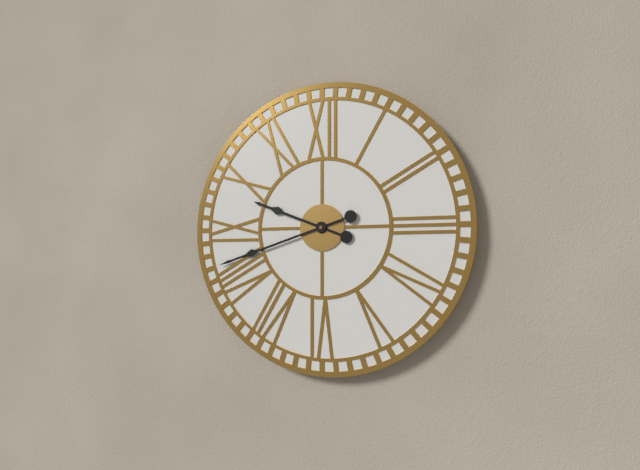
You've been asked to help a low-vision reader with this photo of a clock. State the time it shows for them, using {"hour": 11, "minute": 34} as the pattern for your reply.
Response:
{"hour": 9, "minute": 42}
